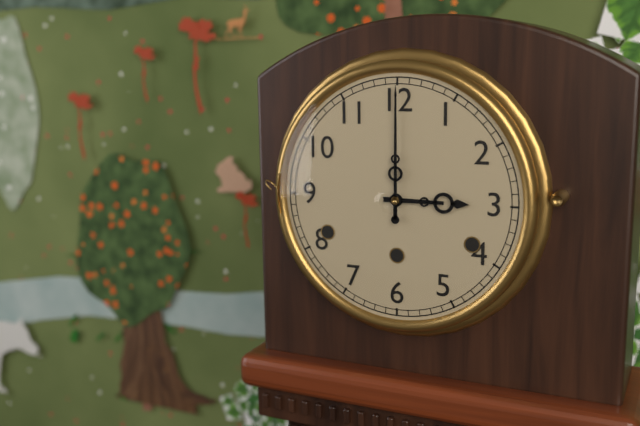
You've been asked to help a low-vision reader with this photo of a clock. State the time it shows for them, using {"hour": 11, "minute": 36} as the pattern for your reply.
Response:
{"hour": 3, "minute": 0}
